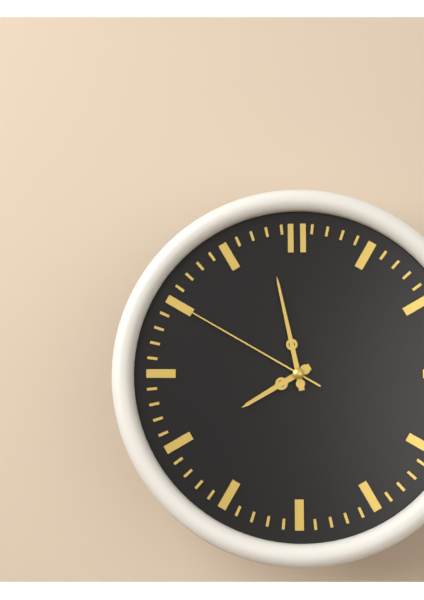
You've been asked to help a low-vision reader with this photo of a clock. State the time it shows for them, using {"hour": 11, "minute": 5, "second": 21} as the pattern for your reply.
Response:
{"hour": 7, "minute": 58, "second": 50}
